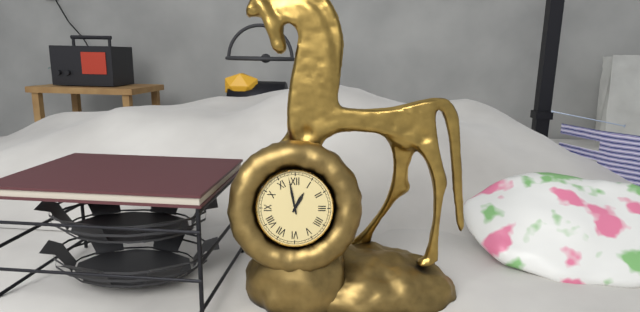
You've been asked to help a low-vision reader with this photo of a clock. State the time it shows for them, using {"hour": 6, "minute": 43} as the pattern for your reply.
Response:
{"hour": 12, "minute": 58}
